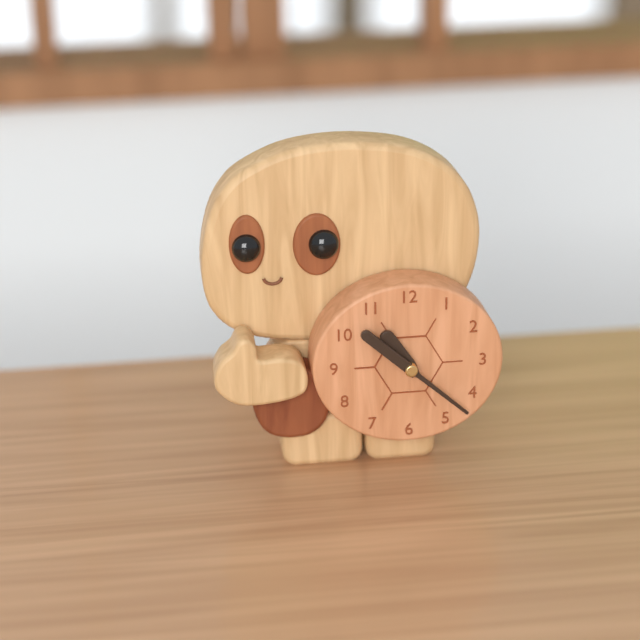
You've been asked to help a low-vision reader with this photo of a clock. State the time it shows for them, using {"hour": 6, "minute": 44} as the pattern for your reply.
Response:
{"hour": 10, "minute": 52}
